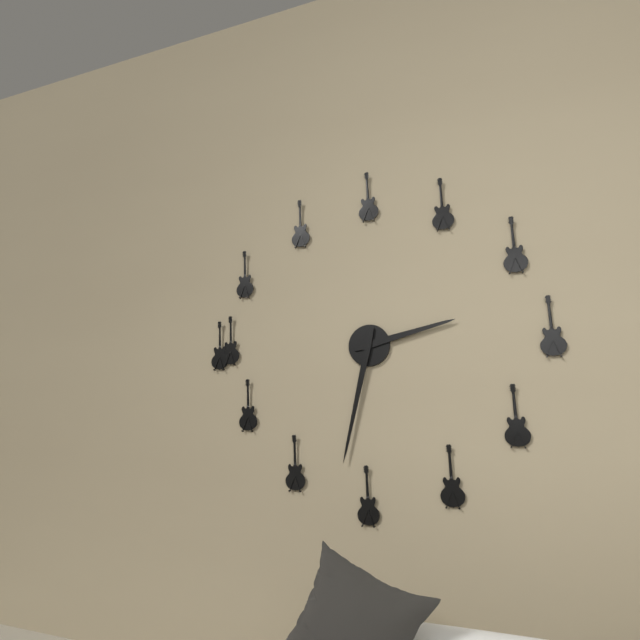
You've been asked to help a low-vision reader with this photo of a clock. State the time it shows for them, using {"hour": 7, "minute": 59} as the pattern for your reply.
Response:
{"hour": 2, "minute": 32}
